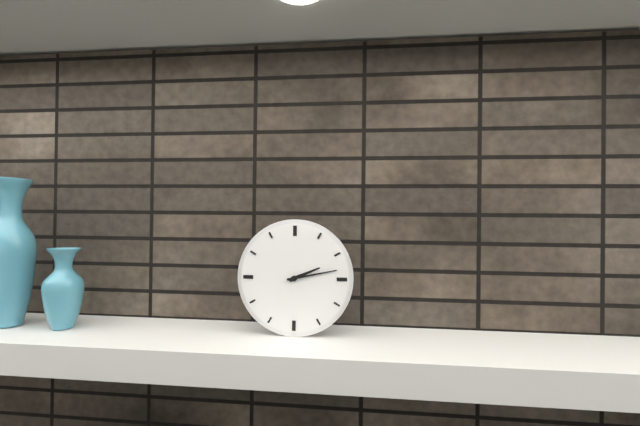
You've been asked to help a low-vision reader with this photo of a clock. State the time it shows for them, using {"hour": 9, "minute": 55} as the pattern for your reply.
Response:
{"hour": 2, "minute": 13}
